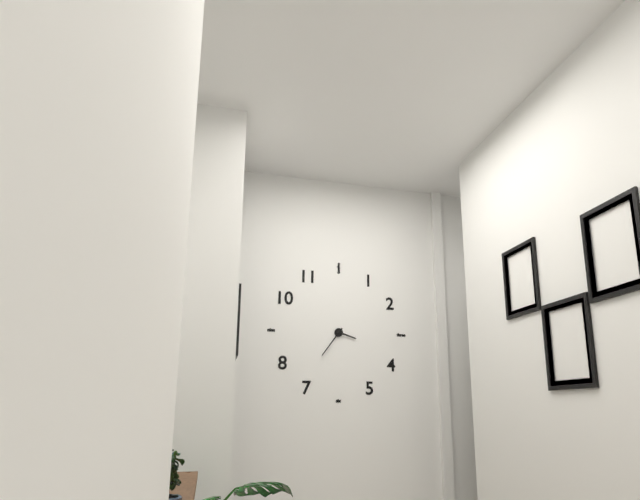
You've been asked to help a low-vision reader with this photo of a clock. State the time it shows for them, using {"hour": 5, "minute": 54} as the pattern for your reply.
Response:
{"hour": 3, "minute": 36}
